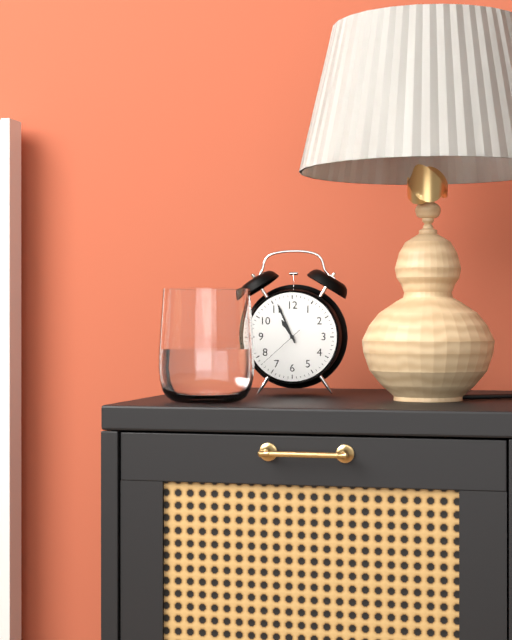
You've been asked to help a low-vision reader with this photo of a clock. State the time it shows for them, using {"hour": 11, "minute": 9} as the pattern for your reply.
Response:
{"hour": 10, "minute": 56}
